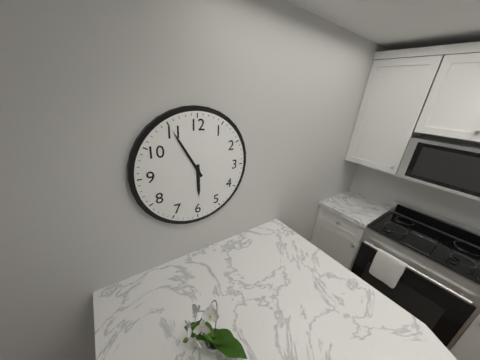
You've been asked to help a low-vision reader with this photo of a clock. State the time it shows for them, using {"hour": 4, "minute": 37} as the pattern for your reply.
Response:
{"hour": 5, "minute": 55}
